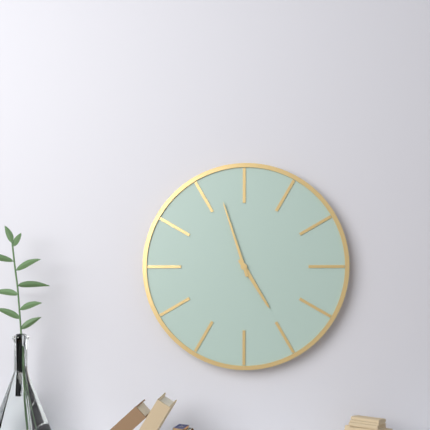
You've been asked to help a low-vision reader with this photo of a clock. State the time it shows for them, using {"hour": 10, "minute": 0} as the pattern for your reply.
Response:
{"hour": 4, "minute": 57}
